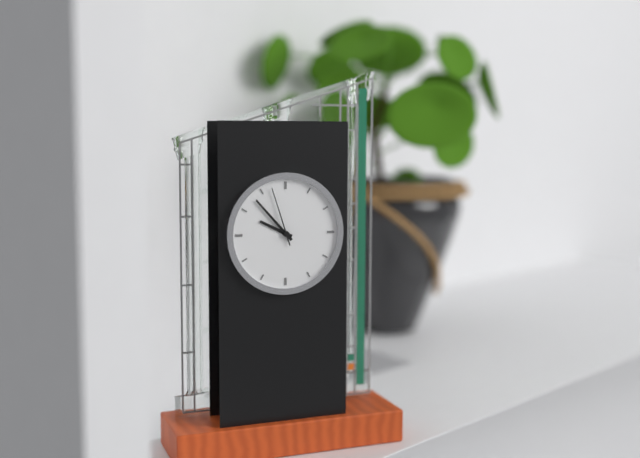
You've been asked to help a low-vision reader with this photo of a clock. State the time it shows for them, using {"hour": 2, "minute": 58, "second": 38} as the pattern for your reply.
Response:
{"hour": 9, "minute": 53, "second": 57}
